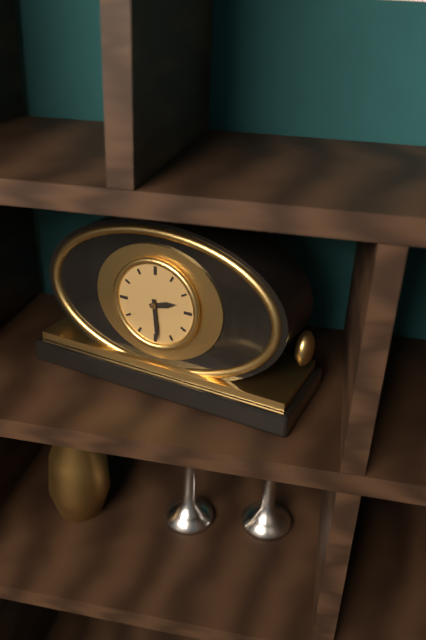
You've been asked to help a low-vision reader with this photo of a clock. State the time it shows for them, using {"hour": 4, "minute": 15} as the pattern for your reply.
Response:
{"hour": 2, "minute": 29}
